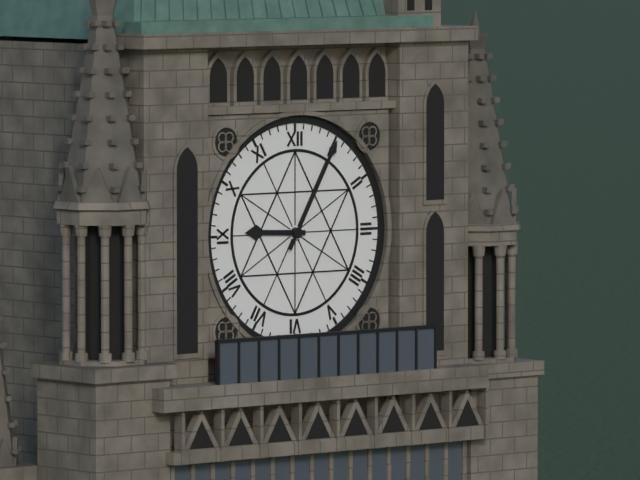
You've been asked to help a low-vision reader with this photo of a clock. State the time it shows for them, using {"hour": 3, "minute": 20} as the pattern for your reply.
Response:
{"hour": 9, "minute": 5}
